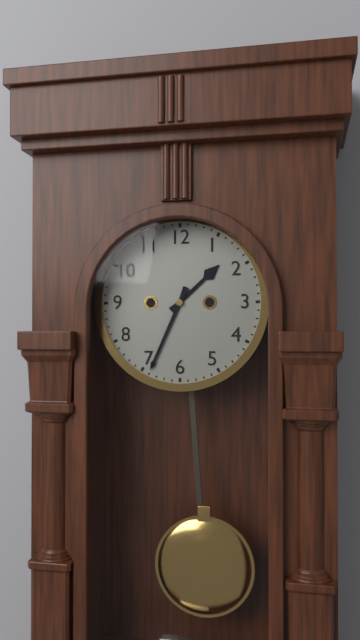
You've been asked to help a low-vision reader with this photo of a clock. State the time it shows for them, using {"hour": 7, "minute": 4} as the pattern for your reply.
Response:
{"hour": 1, "minute": 34}
